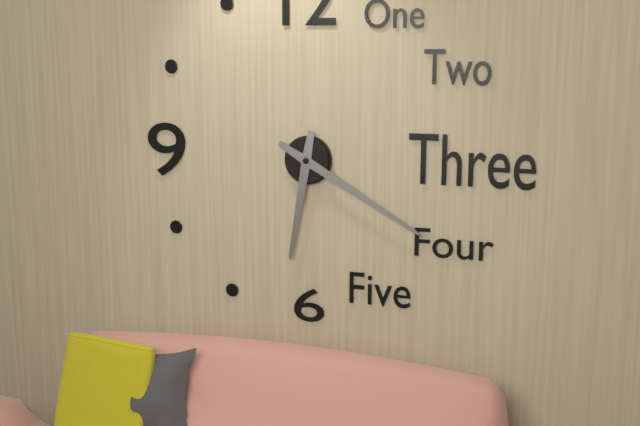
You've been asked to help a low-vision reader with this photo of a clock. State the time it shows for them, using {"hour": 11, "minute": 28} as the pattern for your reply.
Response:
{"hour": 6, "minute": 20}
